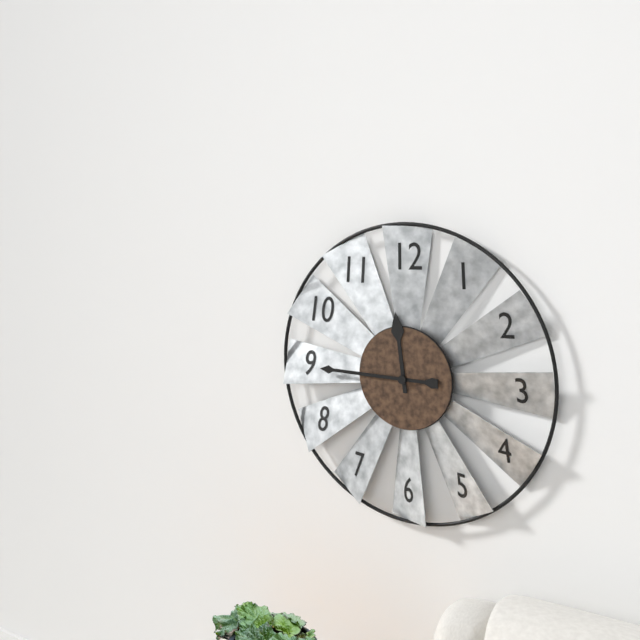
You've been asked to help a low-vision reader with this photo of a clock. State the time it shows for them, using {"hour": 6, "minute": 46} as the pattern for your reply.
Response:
{"hour": 11, "minute": 45}
